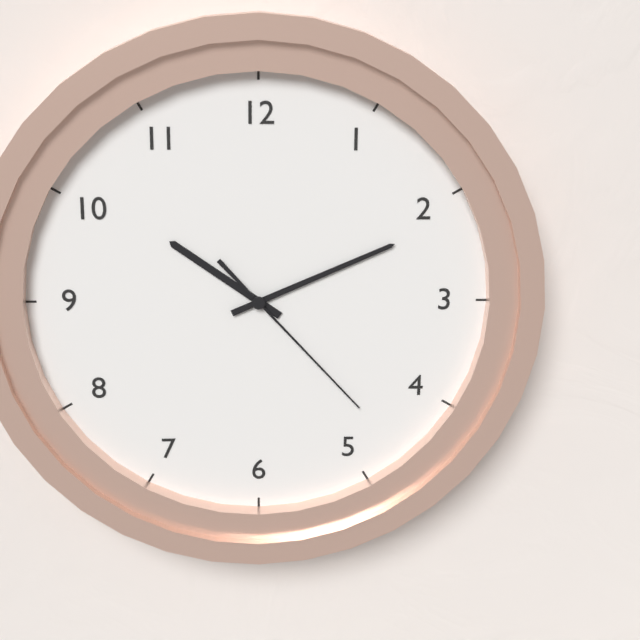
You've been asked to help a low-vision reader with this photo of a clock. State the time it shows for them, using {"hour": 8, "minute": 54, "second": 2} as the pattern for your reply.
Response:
{"hour": 10, "minute": 11, "second": 23}
